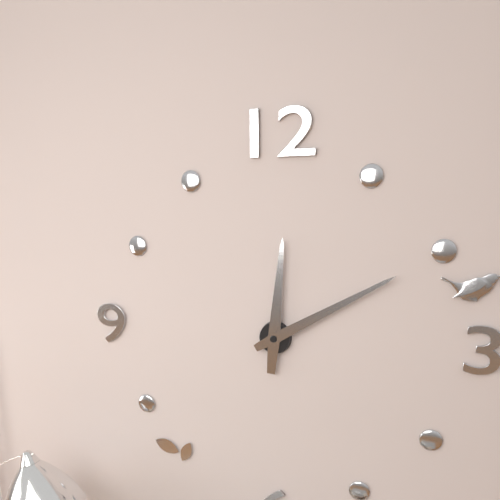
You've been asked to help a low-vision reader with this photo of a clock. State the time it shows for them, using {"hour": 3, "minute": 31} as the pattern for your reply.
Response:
{"hour": 12, "minute": 10}
